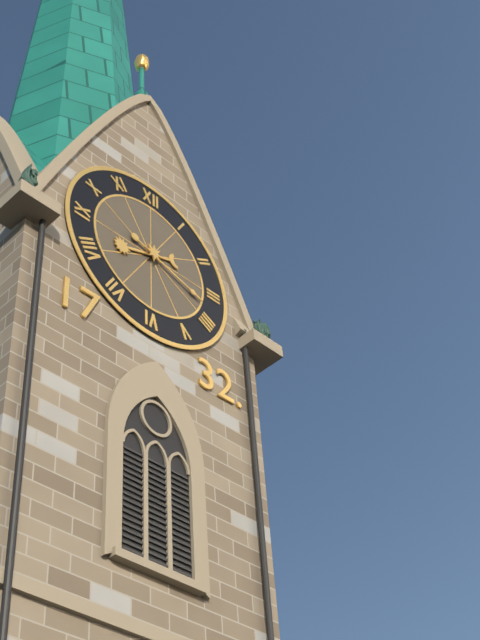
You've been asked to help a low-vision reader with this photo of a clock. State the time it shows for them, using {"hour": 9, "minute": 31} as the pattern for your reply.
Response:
{"hour": 8, "minute": 18}
